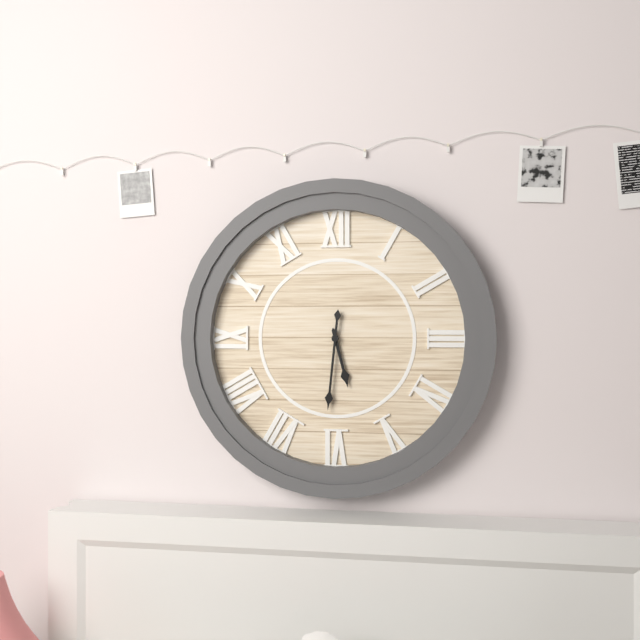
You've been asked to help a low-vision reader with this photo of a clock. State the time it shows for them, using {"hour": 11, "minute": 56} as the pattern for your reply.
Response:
{"hour": 5, "minute": 31}
